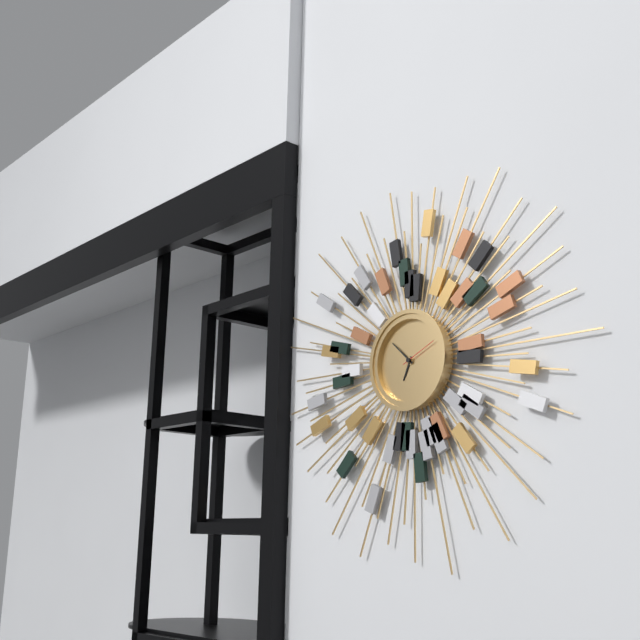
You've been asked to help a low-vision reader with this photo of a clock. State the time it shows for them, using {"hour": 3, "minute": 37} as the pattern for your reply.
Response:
{"hour": 6, "minute": 52}
